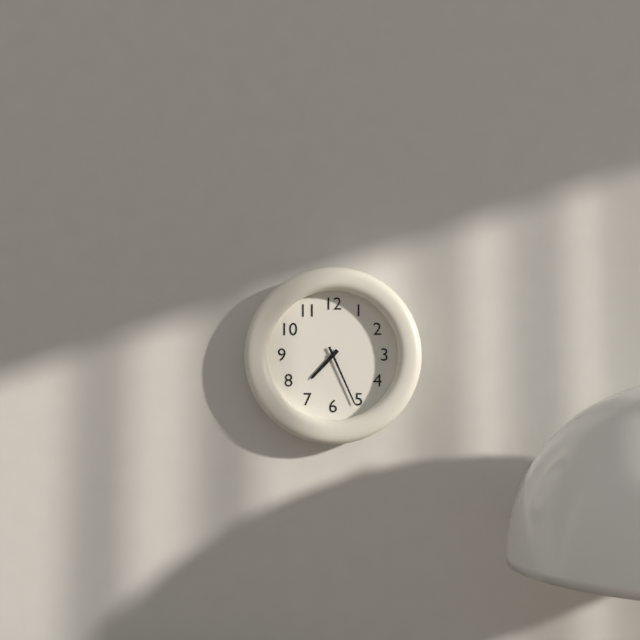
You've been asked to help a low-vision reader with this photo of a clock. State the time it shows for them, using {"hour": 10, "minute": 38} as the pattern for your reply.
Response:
{"hour": 7, "minute": 26}
